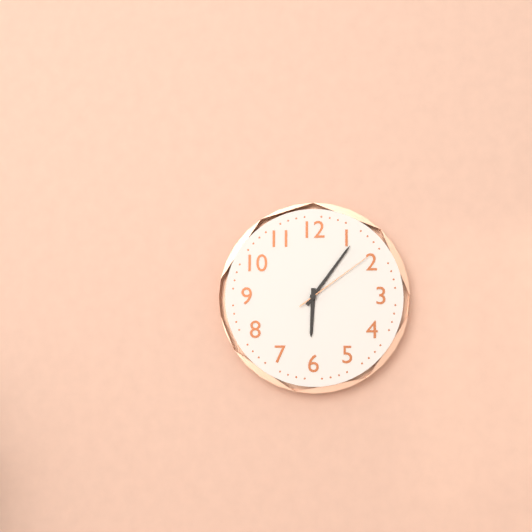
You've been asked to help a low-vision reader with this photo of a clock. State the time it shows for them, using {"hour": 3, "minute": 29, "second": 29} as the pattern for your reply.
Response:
{"hour": 6, "minute": 6, "second": 9}
